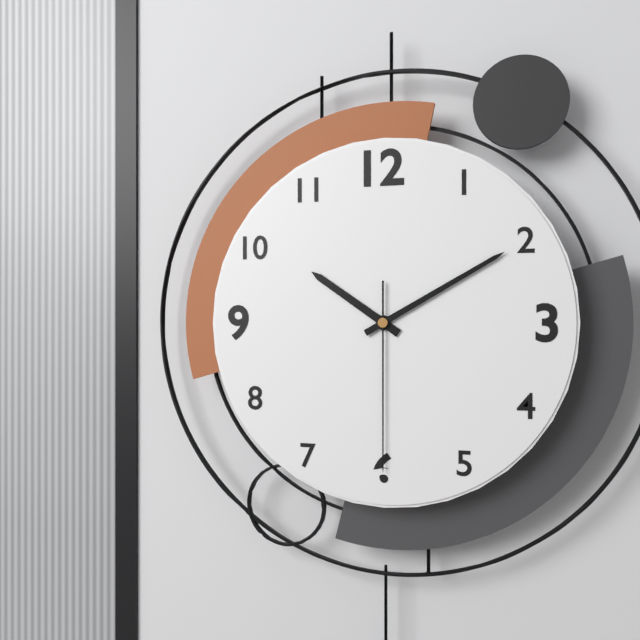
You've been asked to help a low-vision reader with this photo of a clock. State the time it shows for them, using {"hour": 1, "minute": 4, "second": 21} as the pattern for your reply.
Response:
{"hour": 10, "minute": 10, "second": 30}
